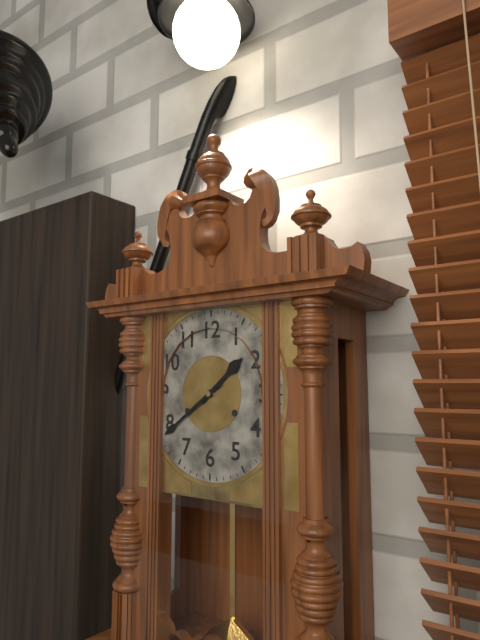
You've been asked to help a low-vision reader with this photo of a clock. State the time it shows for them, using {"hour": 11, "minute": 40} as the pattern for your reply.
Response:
{"hour": 1, "minute": 39}
